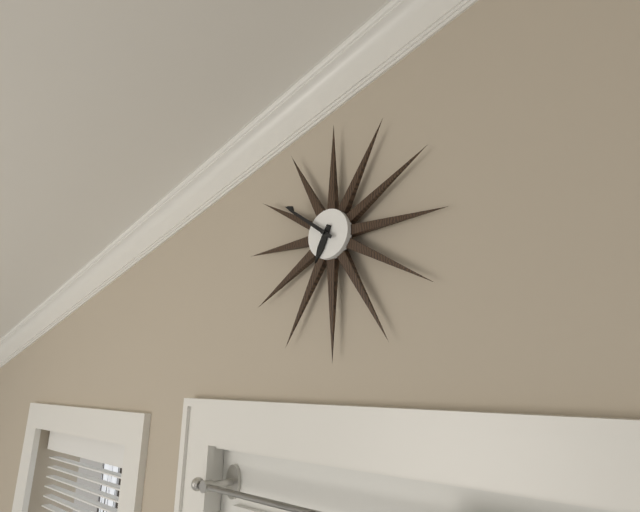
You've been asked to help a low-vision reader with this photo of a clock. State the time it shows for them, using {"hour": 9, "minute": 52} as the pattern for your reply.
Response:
{"hour": 6, "minute": 51}
